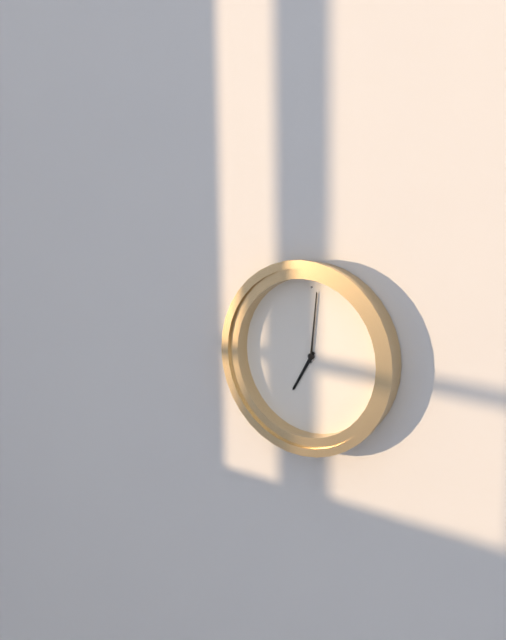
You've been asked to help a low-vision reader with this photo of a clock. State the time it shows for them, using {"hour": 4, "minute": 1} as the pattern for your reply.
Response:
{"hour": 7, "minute": 1}
